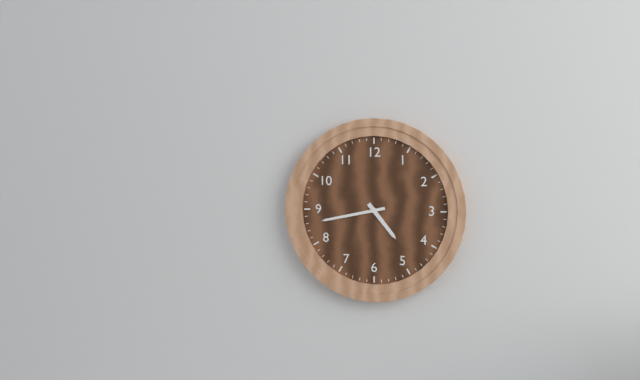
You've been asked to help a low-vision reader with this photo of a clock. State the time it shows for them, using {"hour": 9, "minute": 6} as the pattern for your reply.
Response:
{"hour": 4, "minute": 43}
